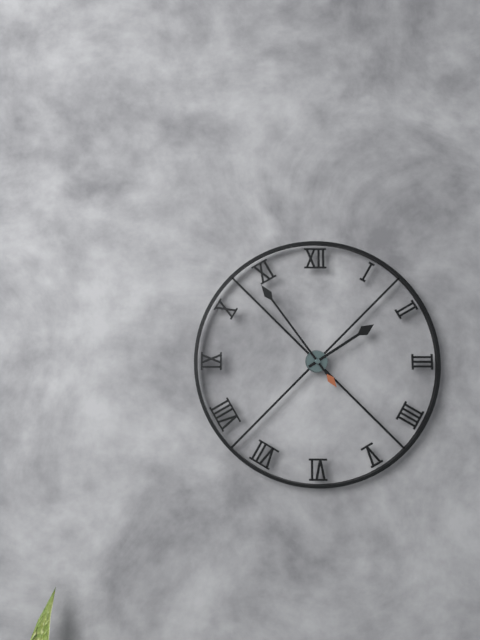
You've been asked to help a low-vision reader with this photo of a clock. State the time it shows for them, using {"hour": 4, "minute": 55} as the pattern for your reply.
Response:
{"hour": 1, "minute": 54}
